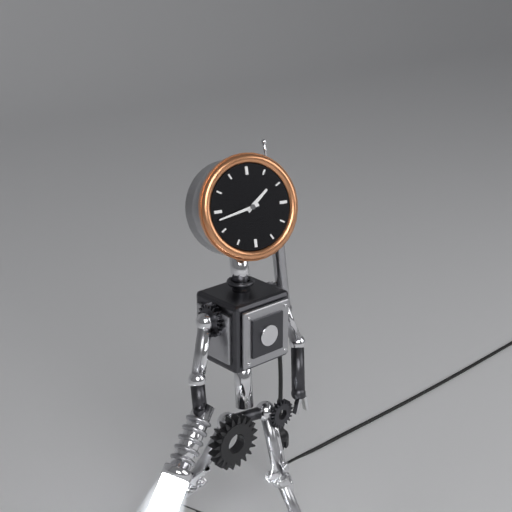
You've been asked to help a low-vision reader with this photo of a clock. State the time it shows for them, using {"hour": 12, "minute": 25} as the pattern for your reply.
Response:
{"hour": 1, "minute": 43}
